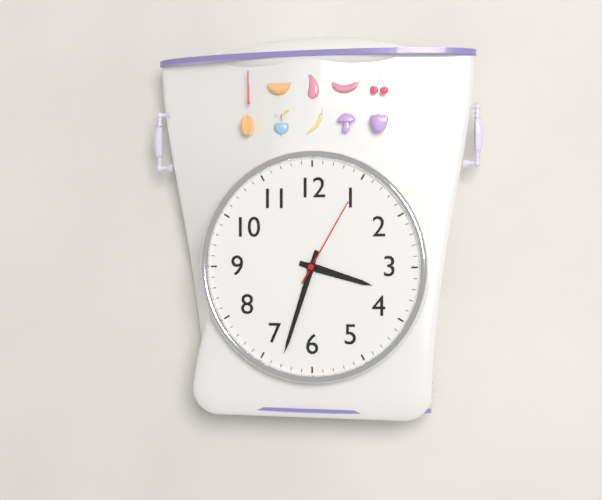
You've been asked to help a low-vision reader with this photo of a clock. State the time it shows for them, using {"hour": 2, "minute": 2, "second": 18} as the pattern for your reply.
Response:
{"hour": 3, "minute": 33, "second": 5}
